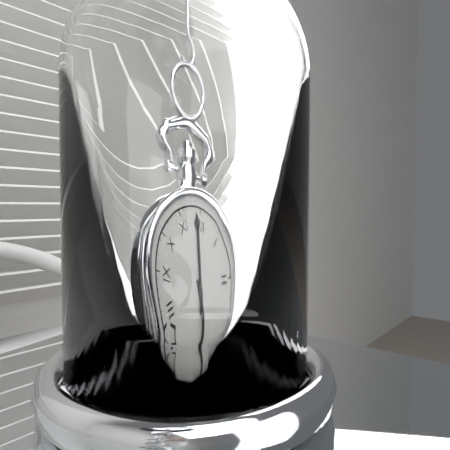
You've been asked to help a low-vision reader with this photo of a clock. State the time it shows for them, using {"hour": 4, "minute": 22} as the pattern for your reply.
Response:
{"hour": 4, "minute": 59}
